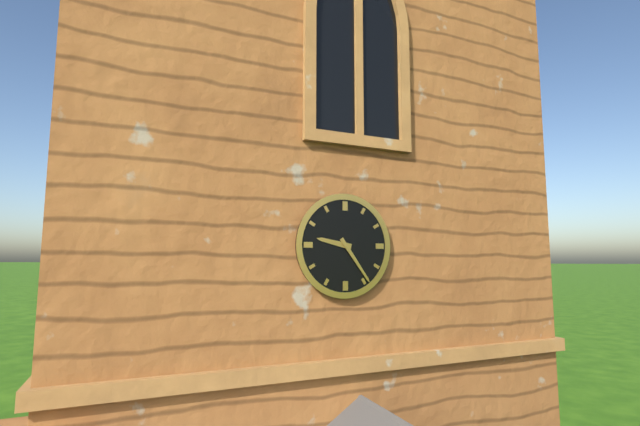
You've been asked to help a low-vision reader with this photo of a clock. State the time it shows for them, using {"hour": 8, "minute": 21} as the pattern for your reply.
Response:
{"hour": 9, "minute": 24}
